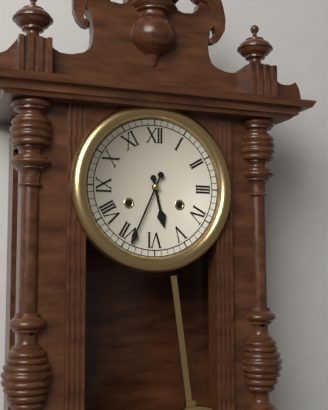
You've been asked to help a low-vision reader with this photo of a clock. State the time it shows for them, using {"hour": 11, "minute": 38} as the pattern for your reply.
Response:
{"hour": 5, "minute": 34}
